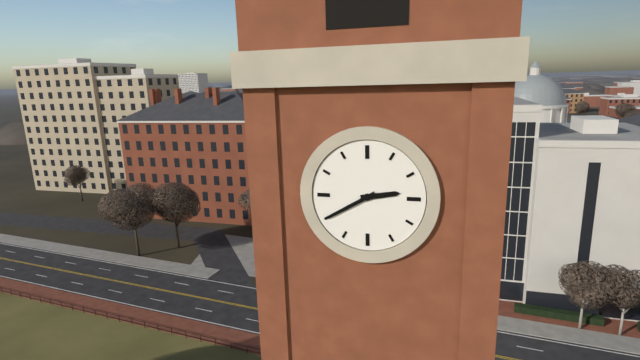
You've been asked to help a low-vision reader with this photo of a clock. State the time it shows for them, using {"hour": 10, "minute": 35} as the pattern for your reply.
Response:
{"hour": 2, "minute": 40}
